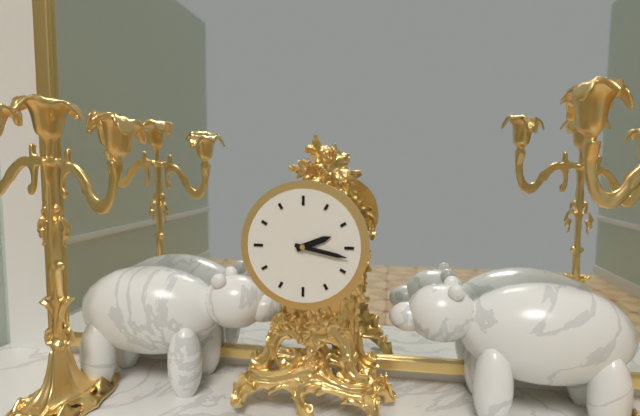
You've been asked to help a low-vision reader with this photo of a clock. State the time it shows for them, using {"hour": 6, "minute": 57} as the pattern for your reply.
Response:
{"hour": 2, "minute": 17}
